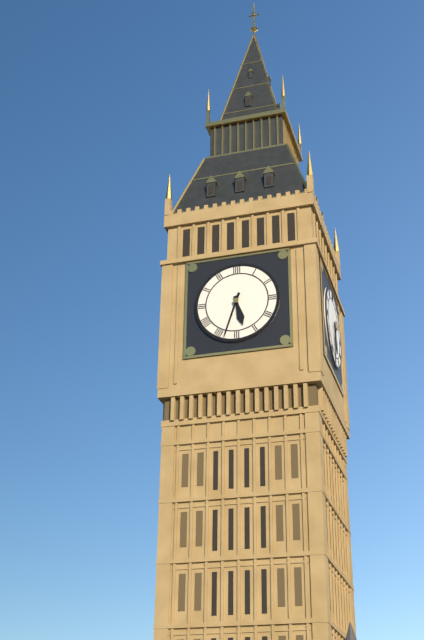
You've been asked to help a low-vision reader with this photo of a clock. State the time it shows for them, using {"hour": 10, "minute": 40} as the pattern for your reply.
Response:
{"hour": 5, "minute": 33}
